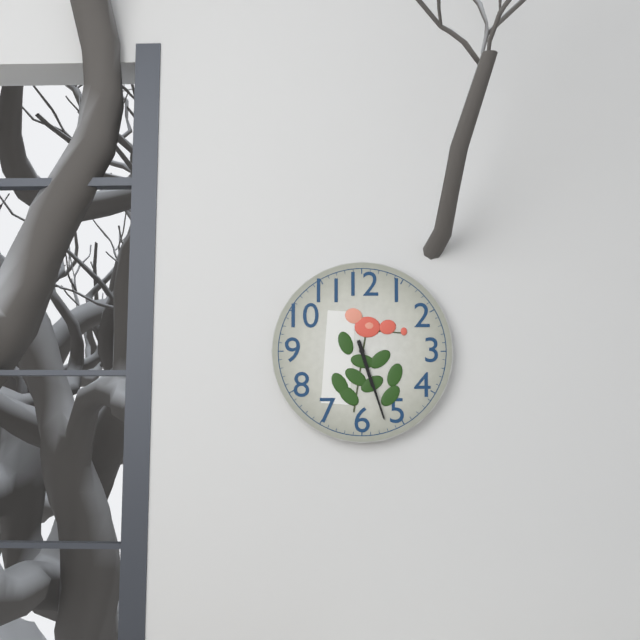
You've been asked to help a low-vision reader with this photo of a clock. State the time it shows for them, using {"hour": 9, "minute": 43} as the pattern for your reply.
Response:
{"hour": 5, "minute": 27}
